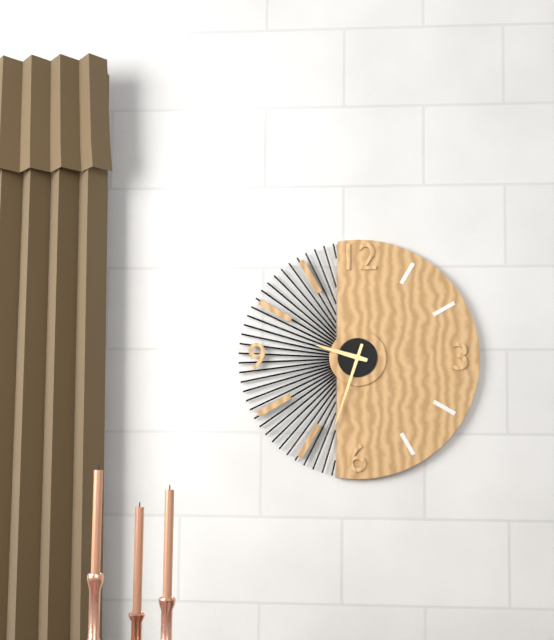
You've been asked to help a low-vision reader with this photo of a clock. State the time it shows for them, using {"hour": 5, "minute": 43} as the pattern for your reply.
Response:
{"hour": 9, "minute": 33}
